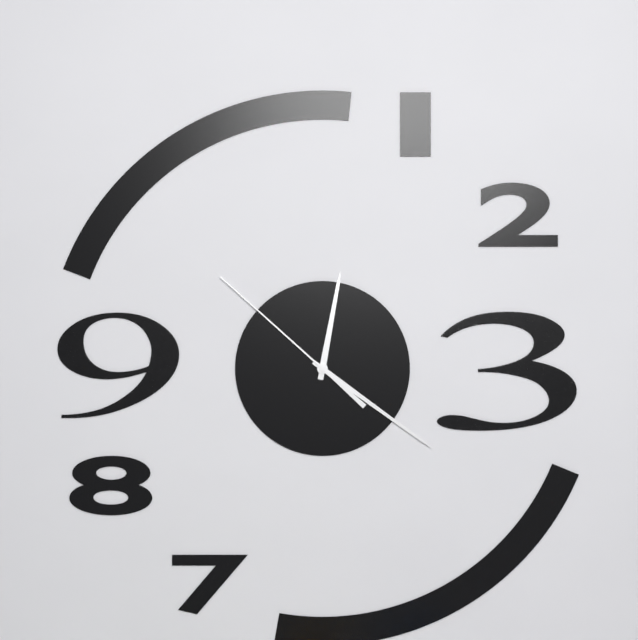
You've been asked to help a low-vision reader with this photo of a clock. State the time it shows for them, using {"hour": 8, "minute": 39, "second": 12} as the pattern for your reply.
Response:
{"hour": 12, "minute": 21, "second": 52}
